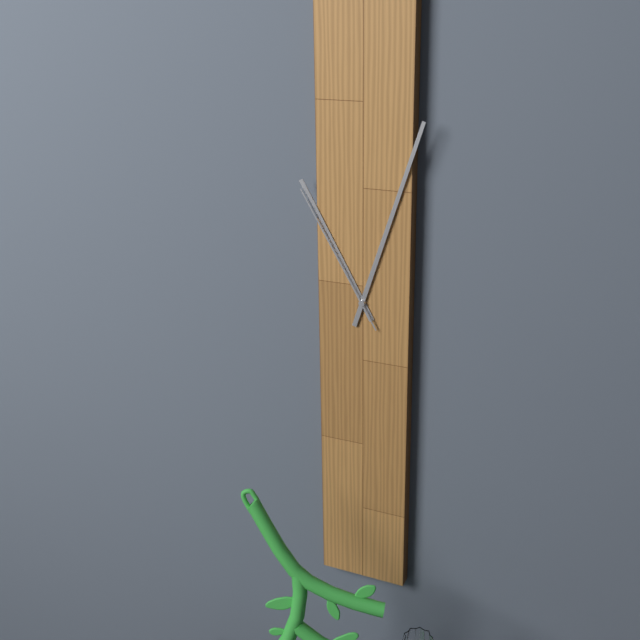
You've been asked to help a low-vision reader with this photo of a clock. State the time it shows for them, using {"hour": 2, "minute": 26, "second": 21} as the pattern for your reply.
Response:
{"hour": 11, "minute": 3, "second": 55}
